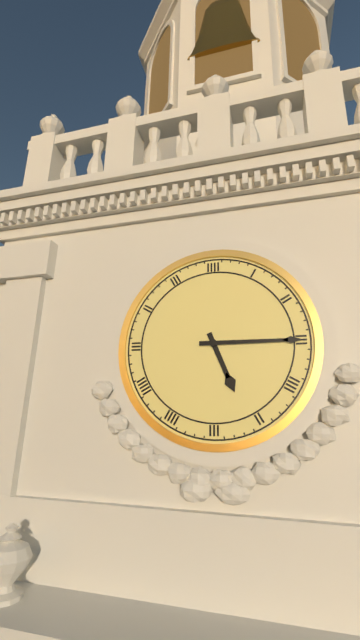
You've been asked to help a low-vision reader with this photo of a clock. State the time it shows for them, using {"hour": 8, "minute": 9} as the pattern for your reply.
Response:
{"hour": 5, "minute": 15}
